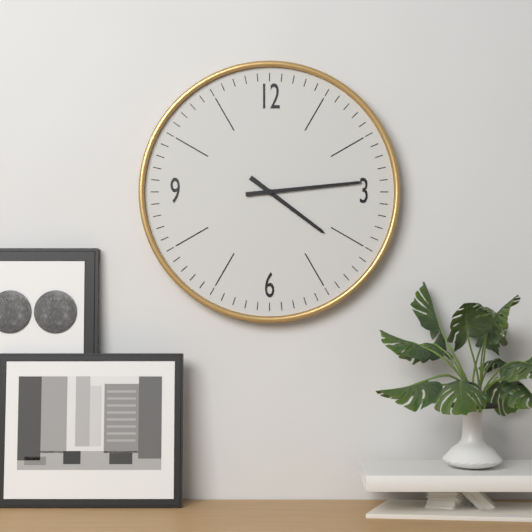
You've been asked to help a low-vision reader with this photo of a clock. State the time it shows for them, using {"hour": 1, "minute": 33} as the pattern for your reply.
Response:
{"hour": 4, "minute": 14}
